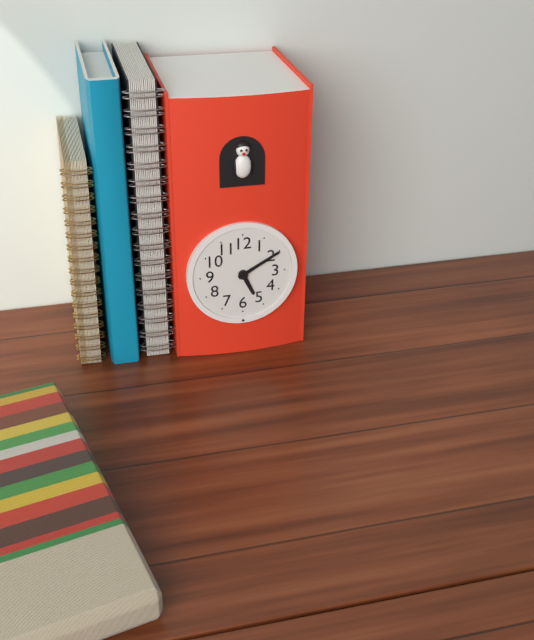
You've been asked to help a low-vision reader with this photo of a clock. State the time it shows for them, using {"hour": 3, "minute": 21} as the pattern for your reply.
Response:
{"hour": 5, "minute": 10}
